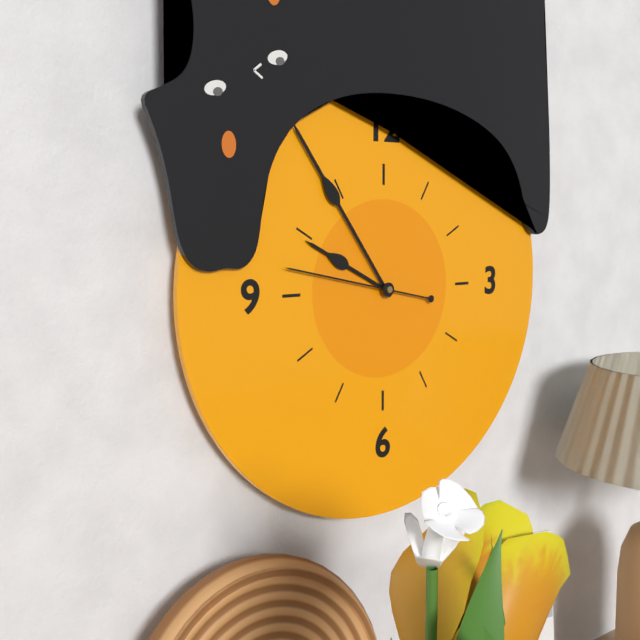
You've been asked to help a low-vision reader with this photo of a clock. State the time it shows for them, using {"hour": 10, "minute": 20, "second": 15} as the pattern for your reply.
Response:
{"hour": 9, "minute": 54, "second": 47}
